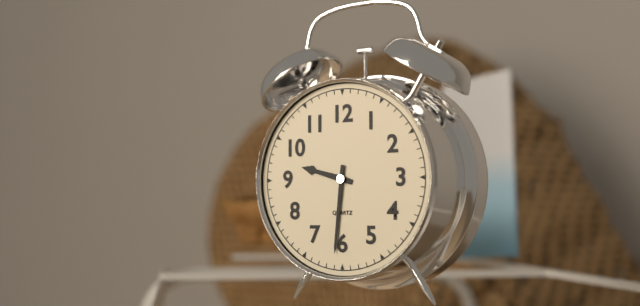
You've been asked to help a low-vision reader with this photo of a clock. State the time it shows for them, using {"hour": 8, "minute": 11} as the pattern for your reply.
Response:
{"hour": 9, "minute": 31}
